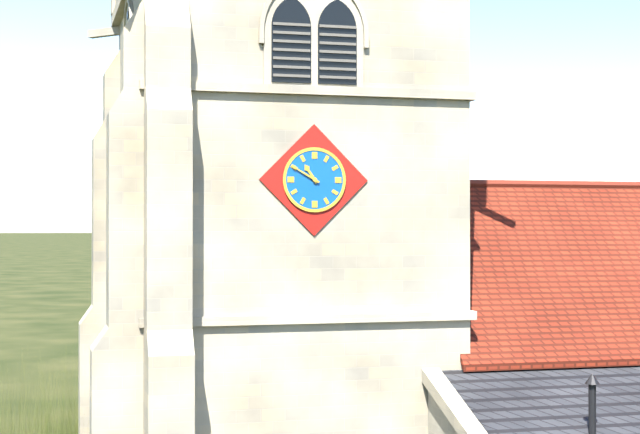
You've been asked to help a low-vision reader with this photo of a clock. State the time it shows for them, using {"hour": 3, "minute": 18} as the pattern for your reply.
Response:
{"hour": 10, "minute": 50}
